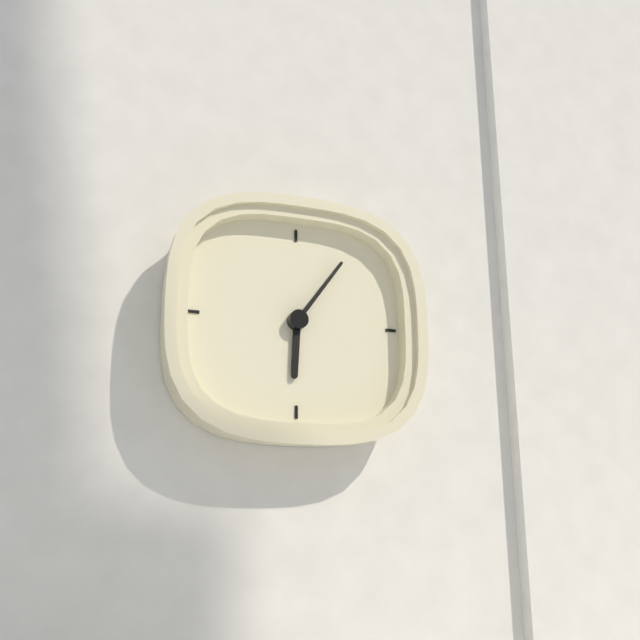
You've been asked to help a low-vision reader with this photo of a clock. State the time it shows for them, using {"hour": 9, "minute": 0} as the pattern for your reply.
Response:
{"hour": 6, "minute": 6}
